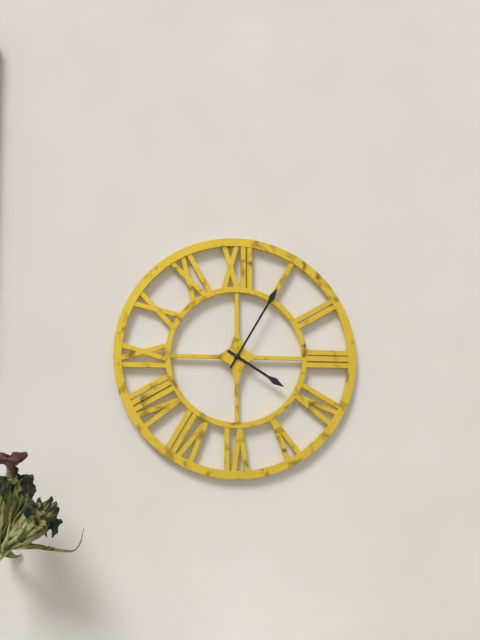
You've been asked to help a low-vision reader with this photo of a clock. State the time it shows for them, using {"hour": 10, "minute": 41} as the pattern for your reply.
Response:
{"hour": 4, "minute": 5}
